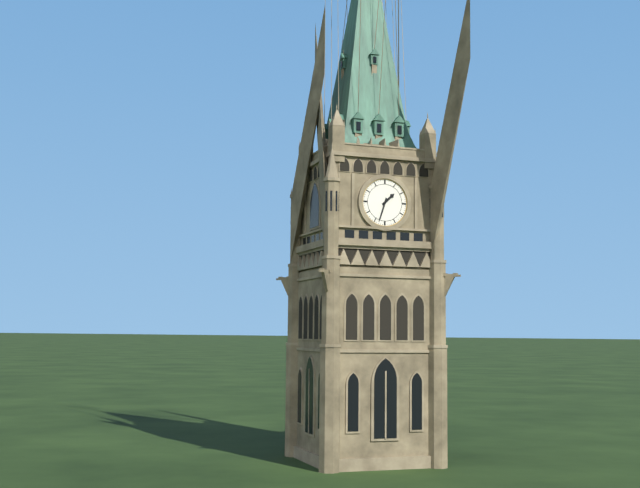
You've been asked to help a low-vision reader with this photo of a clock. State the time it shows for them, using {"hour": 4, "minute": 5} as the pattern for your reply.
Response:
{"hour": 1, "minute": 33}
